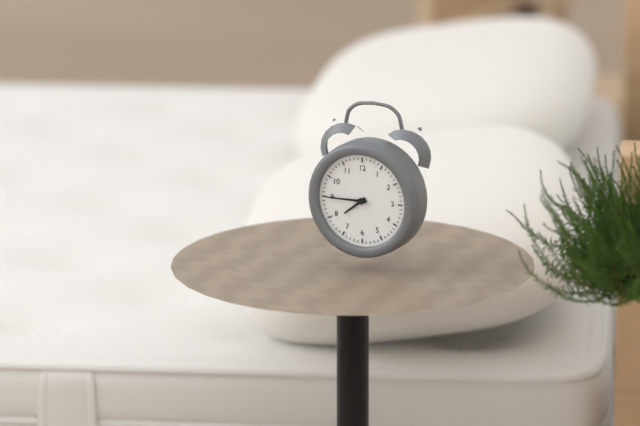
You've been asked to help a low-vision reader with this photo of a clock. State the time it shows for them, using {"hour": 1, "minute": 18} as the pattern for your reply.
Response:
{"hour": 7, "minute": 45}
